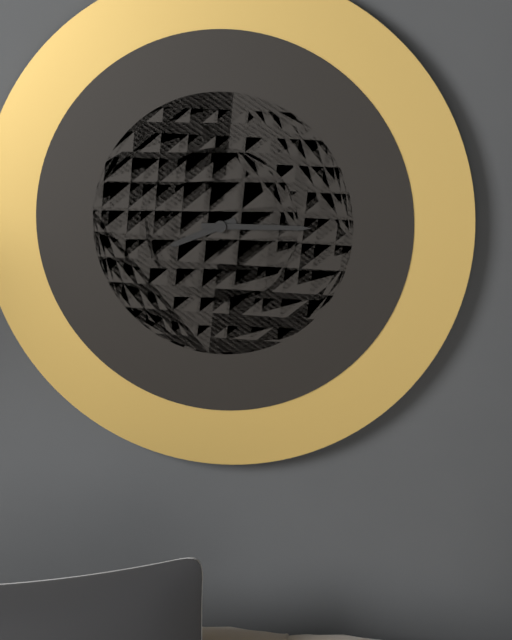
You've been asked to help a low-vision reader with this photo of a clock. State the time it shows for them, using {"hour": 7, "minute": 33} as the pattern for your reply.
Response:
{"hour": 8, "minute": 15}
